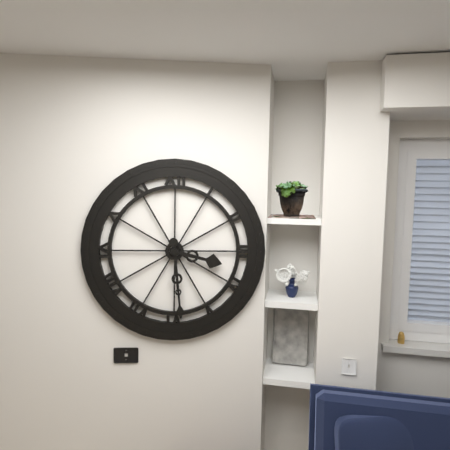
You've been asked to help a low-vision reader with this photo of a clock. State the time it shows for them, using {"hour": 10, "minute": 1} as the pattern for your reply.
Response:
{"hour": 3, "minute": 29}
